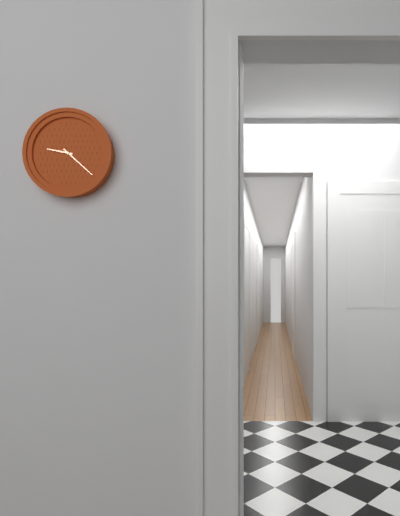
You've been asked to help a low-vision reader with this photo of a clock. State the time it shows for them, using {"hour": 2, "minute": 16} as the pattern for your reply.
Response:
{"hour": 9, "minute": 22}
